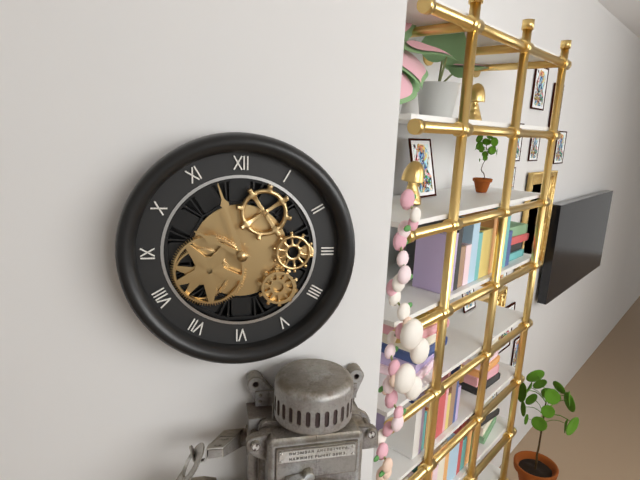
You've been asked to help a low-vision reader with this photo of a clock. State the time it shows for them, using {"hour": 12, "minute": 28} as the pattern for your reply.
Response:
{"hour": 9, "minute": 57}
